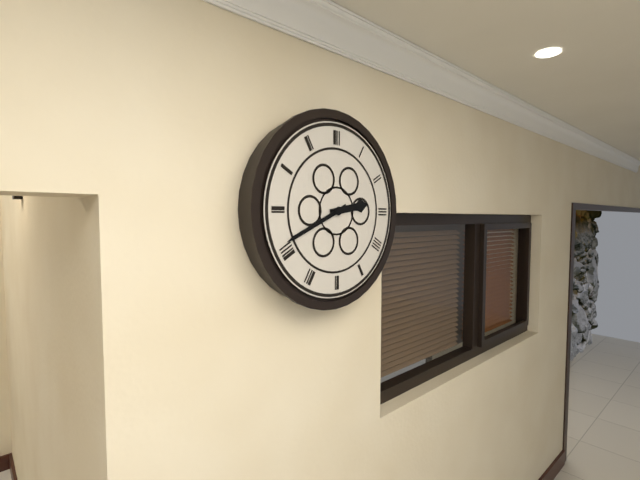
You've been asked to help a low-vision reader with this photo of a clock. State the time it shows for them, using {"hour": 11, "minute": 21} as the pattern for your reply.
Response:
{"hour": 2, "minute": 41}
